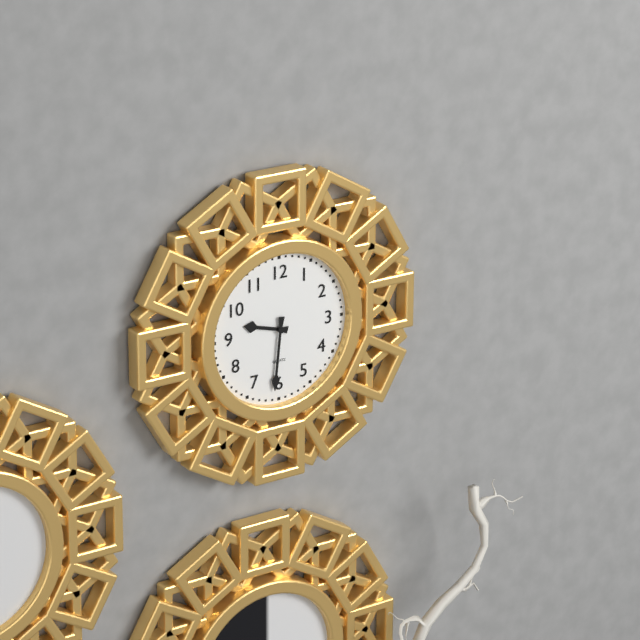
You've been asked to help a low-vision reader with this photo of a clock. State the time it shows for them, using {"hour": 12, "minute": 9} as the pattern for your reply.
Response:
{"hour": 9, "minute": 31}
